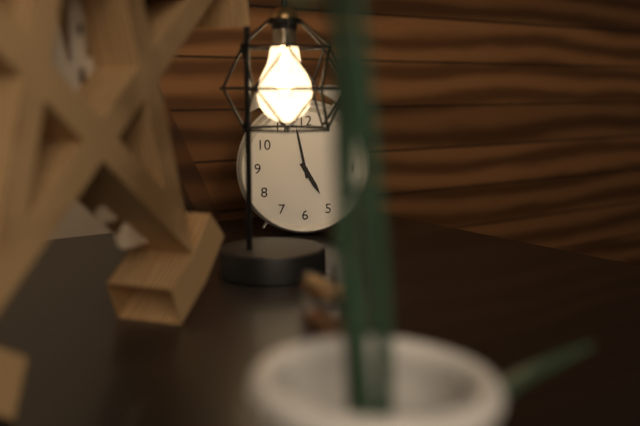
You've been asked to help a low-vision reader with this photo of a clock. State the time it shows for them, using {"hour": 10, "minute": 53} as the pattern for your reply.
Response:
{"hour": 4, "minute": 58}
